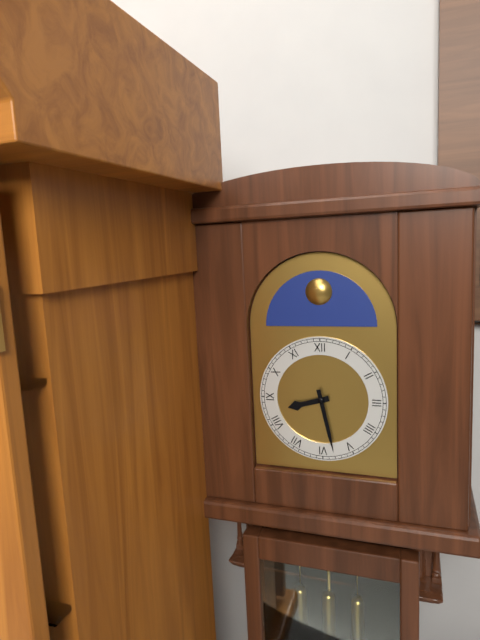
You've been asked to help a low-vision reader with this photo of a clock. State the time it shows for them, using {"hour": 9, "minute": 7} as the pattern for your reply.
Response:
{"hour": 8, "minute": 28}
